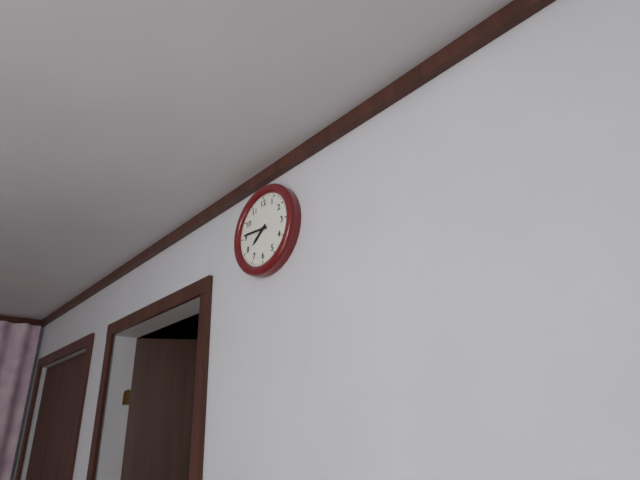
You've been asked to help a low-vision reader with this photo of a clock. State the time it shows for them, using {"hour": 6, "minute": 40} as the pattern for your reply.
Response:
{"hour": 7, "minute": 46}
